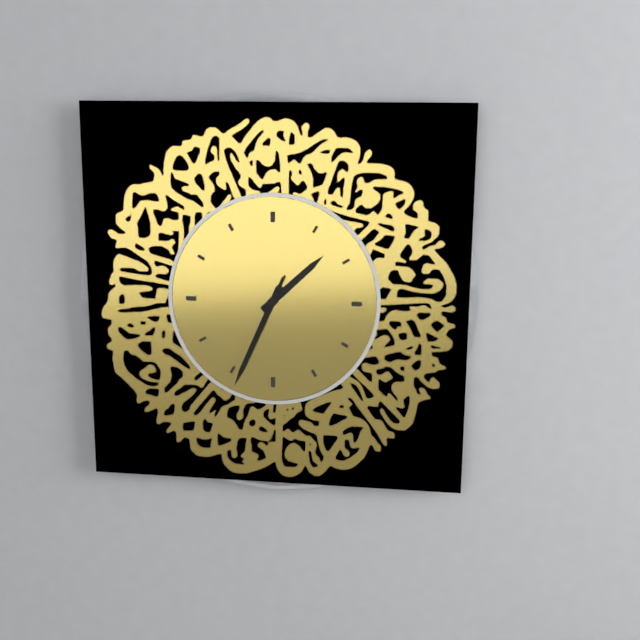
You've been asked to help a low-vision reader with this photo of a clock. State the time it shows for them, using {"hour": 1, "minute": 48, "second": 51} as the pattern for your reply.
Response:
{"hour": 1, "minute": 34, "second": 34}
